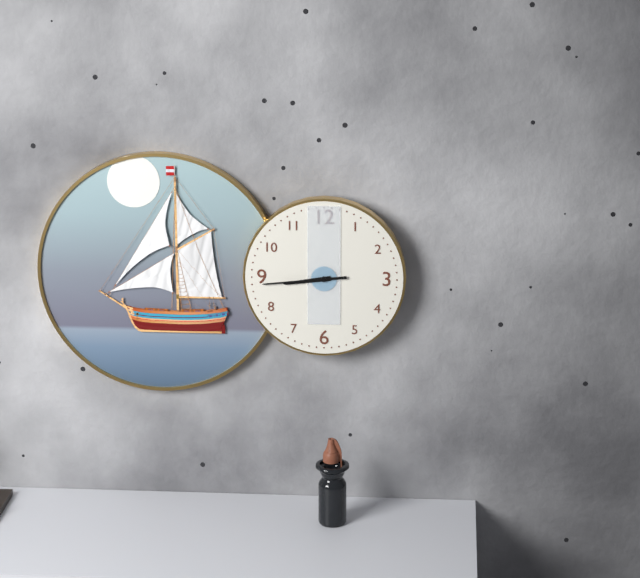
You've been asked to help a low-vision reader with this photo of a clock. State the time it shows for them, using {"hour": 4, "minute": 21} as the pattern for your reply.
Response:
{"hour": 8, "minute": 44}
